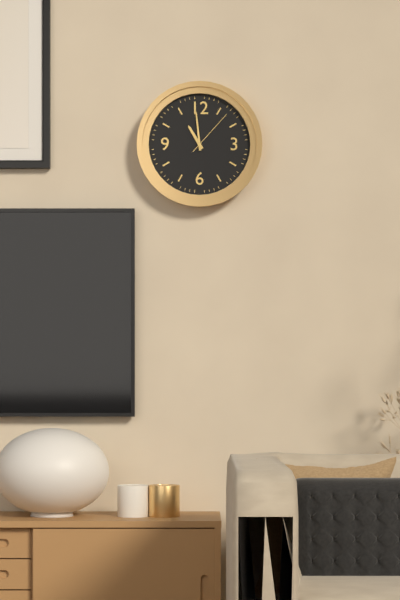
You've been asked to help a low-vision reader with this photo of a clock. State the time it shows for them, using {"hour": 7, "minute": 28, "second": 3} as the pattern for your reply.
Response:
{"hour": 10, "minute": 59, "second": 7}
